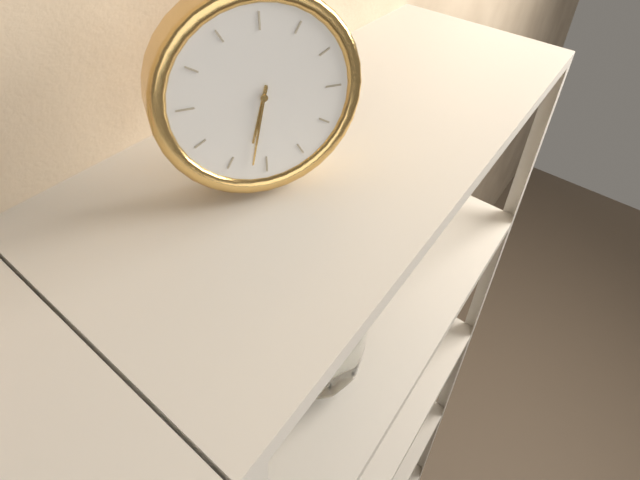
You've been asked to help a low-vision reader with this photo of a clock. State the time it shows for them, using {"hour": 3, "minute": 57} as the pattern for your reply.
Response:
{"hour": 6, "minute": 32}
